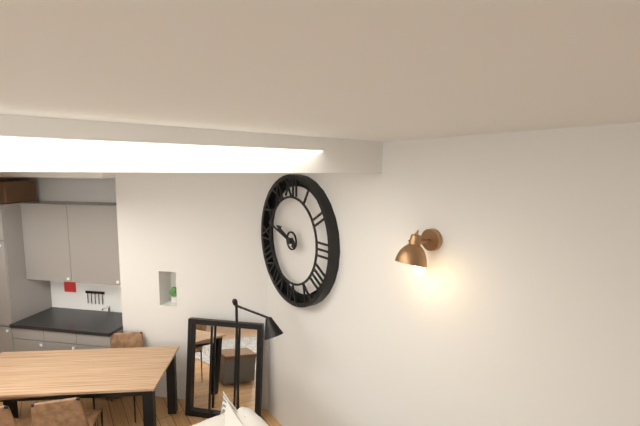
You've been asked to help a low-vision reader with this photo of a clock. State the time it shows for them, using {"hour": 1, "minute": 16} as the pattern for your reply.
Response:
{"hour": 9, "minute": 48}
